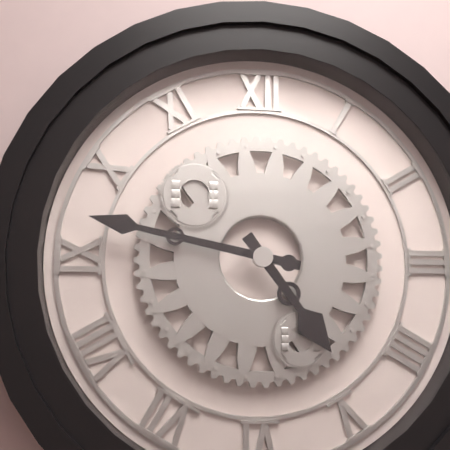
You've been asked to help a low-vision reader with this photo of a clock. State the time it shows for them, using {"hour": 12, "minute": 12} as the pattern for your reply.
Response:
{"hour": 4, "minute": 47}
